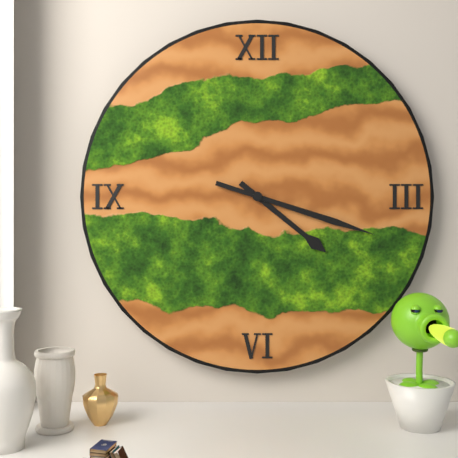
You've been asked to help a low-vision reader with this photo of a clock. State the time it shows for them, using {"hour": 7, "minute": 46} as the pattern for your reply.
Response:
{"hour": 4, "minute": 18}
